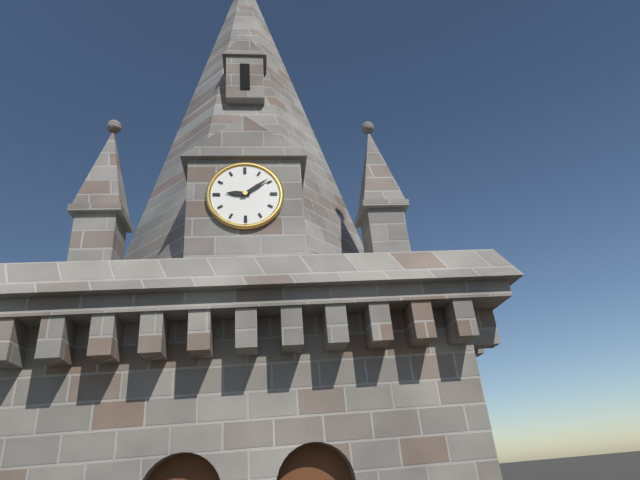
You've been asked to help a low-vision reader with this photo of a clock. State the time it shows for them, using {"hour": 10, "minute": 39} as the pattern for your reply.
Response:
{"hour": 9, "minute": 9}
